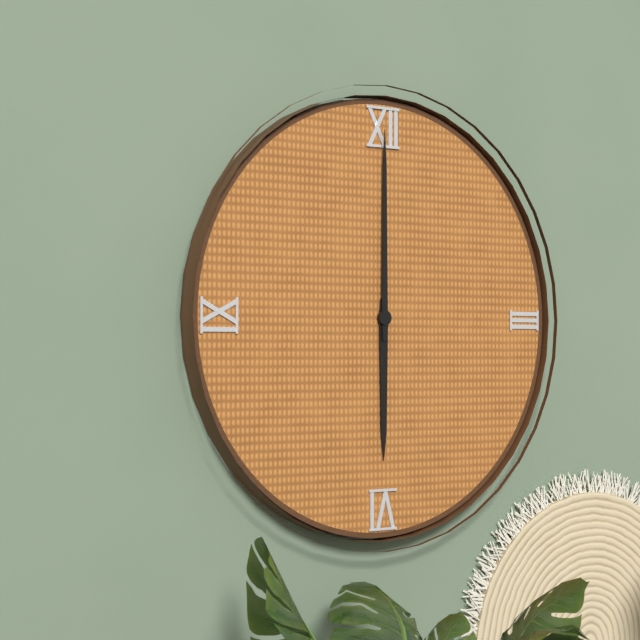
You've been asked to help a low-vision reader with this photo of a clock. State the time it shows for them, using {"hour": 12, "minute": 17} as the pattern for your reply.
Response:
{"hour": 6, "minute": 0}
